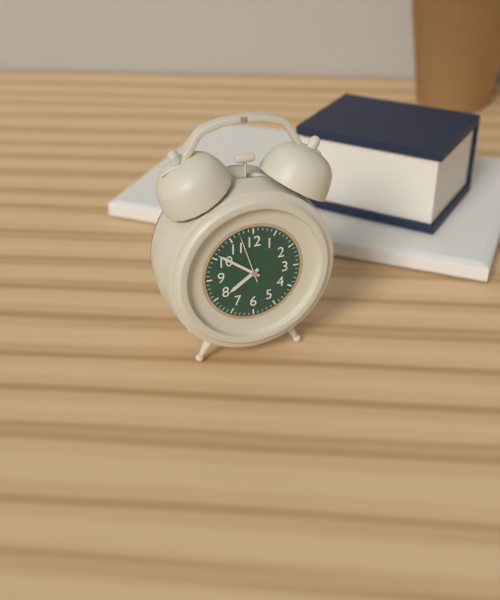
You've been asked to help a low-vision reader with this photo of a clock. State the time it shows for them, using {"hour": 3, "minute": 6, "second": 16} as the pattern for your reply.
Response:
{"hour": 7, "minute": 51, "second": 57}
